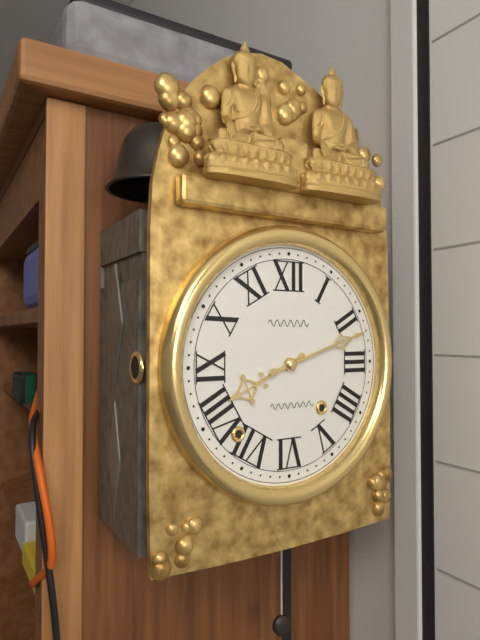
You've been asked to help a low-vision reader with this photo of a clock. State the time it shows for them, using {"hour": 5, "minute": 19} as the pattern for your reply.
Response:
{"hour": 8, "minute": 12}
